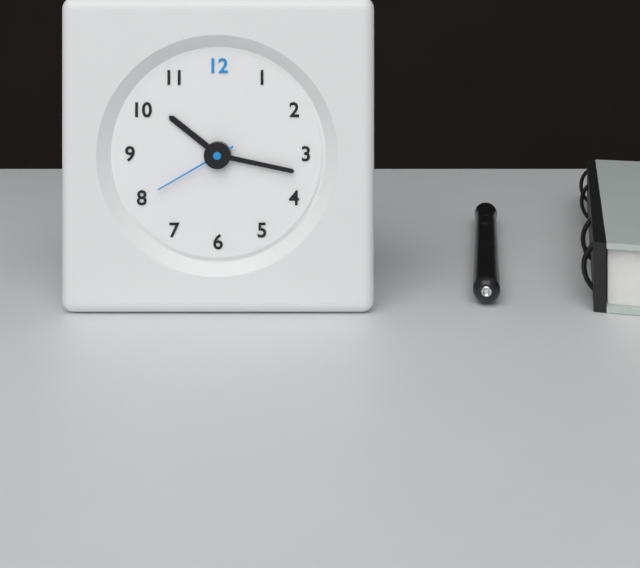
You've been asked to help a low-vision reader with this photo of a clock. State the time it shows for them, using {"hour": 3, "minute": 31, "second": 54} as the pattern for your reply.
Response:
{"hour": 10, "minute": 17, "second": 40}
